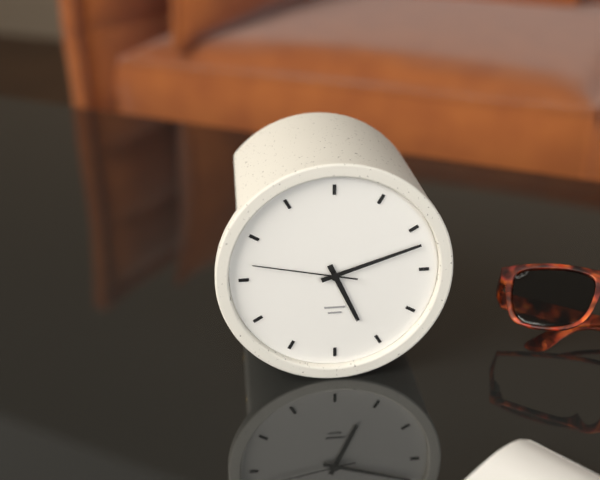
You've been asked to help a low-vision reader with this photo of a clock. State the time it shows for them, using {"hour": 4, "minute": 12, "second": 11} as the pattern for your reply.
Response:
{"hour": 5, "minute": 12, "second": 47}
